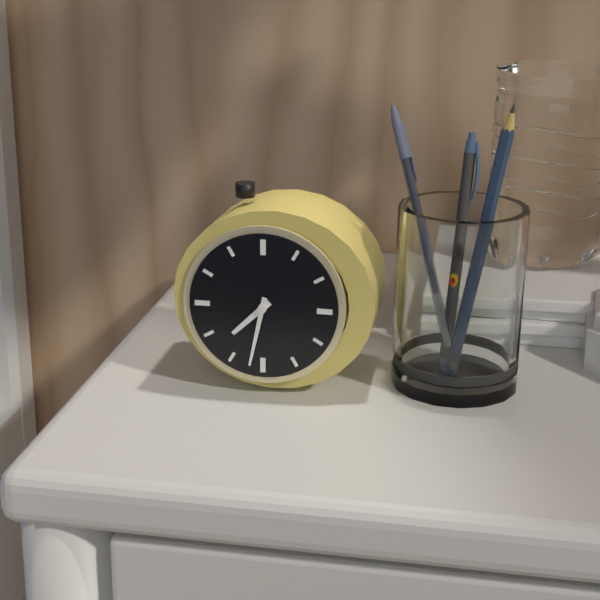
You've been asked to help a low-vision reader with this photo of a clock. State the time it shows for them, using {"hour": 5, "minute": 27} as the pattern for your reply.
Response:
{"hour": 7, "minute": 32}
